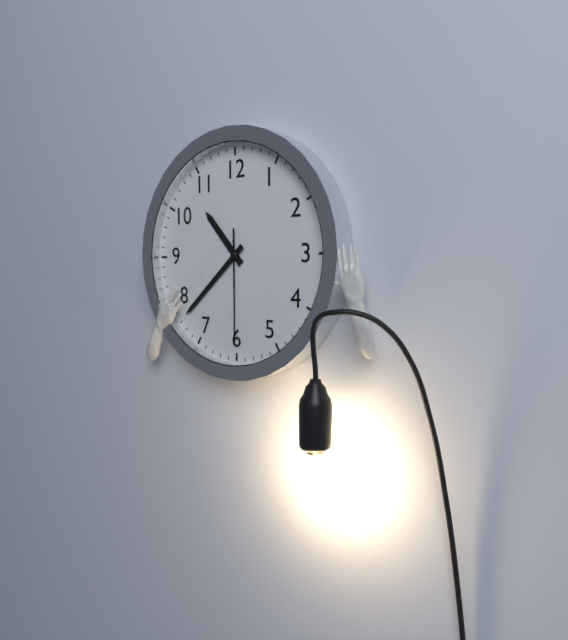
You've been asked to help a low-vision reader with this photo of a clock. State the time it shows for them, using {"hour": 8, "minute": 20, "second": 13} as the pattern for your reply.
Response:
{"hour": 10, "minute": 38, "second": 30}
